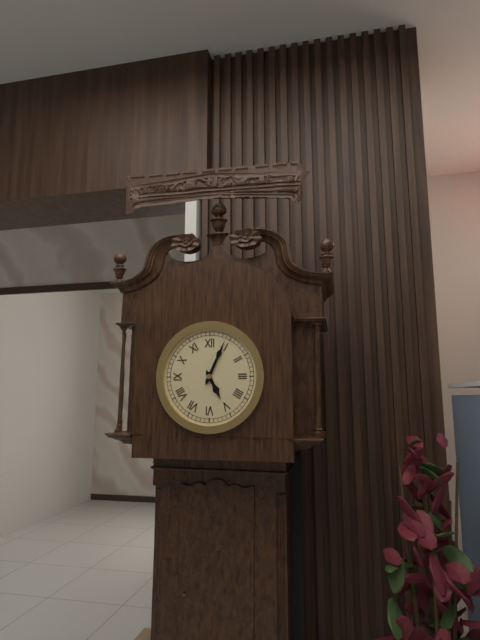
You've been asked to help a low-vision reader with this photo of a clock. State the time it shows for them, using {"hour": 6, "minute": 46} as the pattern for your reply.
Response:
{"hour": 5, "minute": 4}
